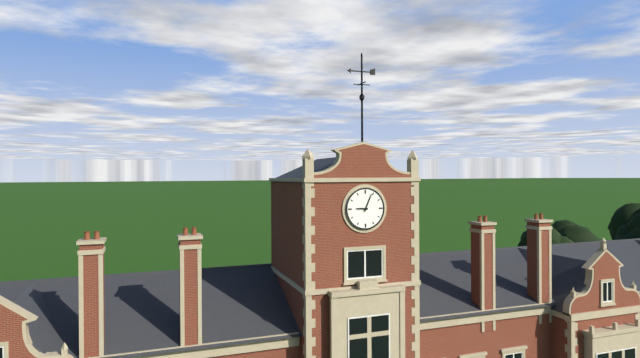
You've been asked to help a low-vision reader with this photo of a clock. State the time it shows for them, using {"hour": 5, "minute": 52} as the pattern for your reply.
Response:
{"hour": 9, "minute": 4}
